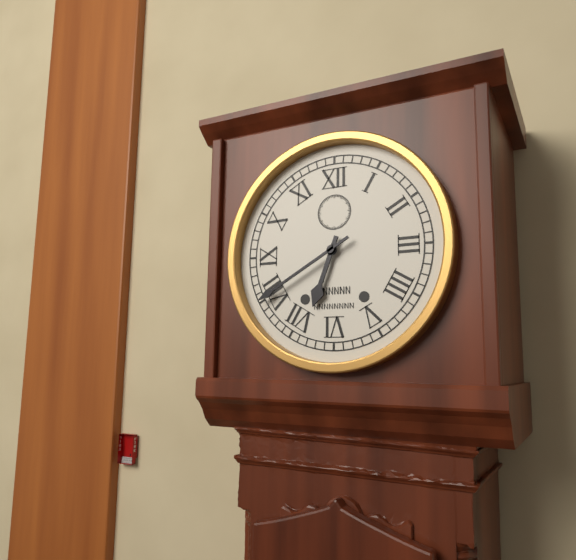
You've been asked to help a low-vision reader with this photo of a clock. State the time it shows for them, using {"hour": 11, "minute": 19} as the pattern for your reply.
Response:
{"hour": 6, "minute": 40}
